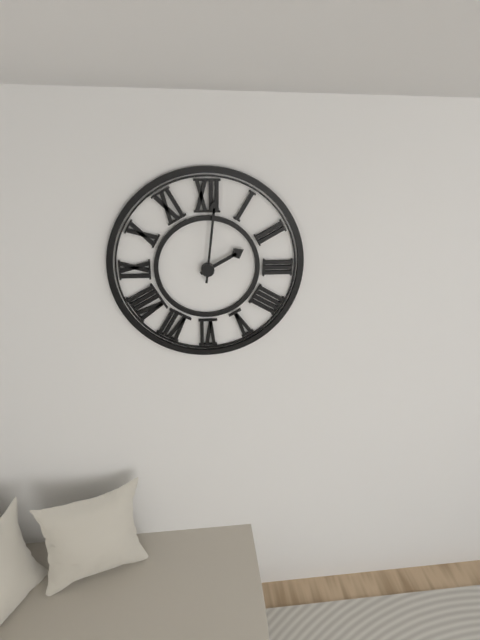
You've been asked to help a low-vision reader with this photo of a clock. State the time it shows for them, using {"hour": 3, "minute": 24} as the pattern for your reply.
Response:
{"hour": 2, "minute": 1}
